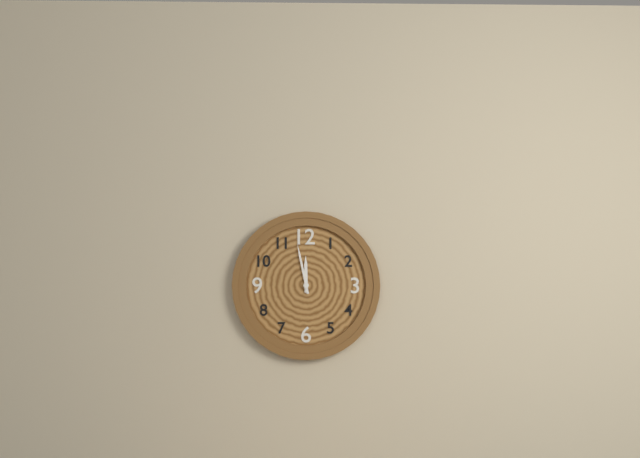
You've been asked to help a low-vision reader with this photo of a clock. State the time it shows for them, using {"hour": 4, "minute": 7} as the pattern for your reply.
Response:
{"hour": 11, "minute": 58}
